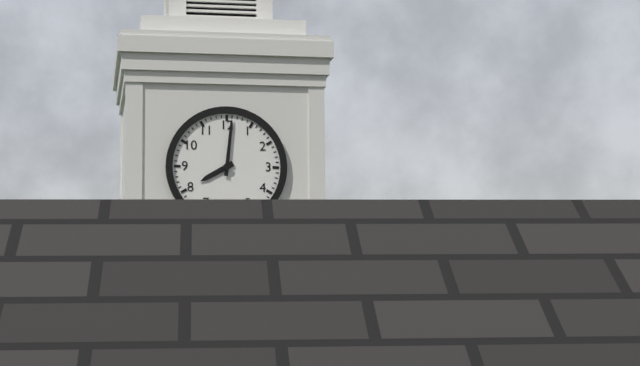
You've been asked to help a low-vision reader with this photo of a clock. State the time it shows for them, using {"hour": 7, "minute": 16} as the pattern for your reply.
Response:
{"hour": 8, "minute": 1}
